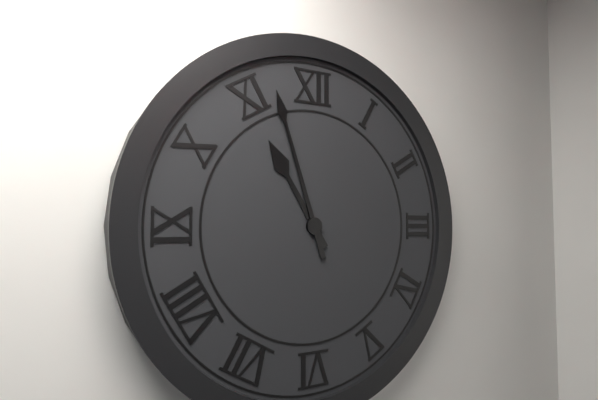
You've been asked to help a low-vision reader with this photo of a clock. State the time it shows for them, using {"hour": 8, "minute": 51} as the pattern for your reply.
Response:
{"hour": 10, "minute": 57}
